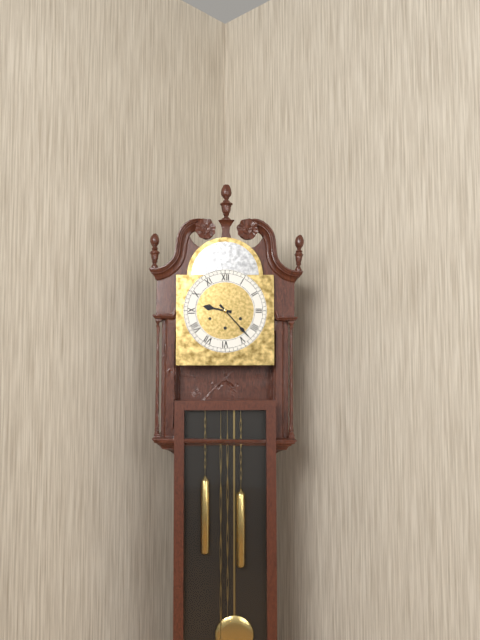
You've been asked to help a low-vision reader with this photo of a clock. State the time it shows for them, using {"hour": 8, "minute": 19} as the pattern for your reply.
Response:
{"hour": 9, "minute": 23}
